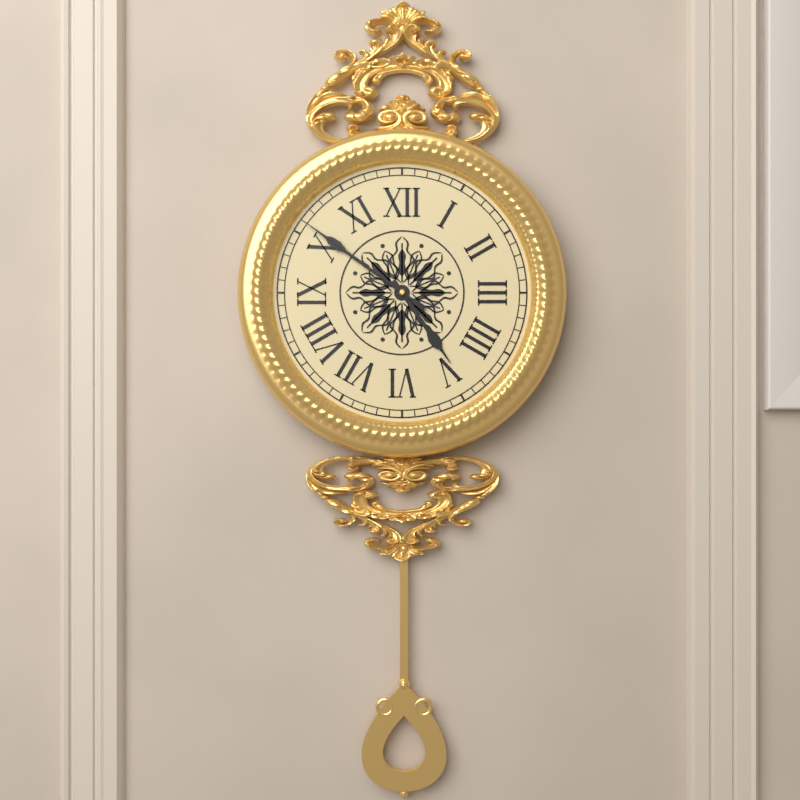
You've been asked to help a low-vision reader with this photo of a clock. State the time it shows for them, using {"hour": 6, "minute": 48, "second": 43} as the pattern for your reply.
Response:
{"hour": 4, "minute": 51, "second": 51}
